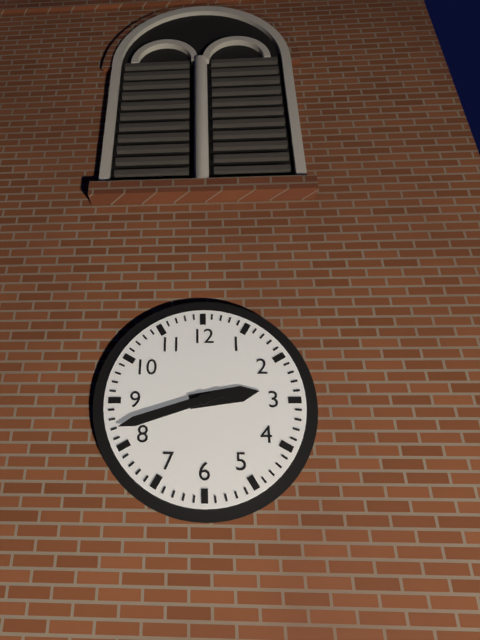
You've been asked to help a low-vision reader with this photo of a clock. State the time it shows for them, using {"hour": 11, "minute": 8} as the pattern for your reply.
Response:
{"hour": 2, "minute": 42}
